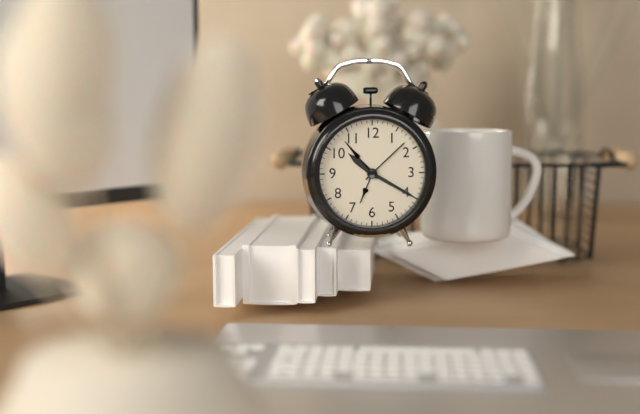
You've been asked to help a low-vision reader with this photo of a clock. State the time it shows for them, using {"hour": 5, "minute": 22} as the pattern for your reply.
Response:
{"hour": 10, "minute": 20}
